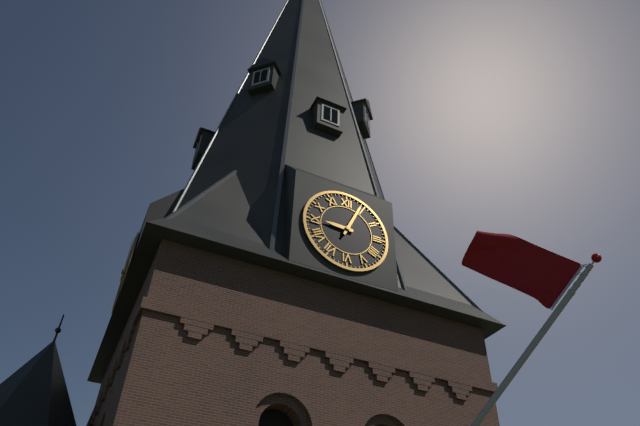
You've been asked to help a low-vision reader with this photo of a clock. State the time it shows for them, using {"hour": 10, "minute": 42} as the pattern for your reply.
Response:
{"hour": 9, "minute": 4}
